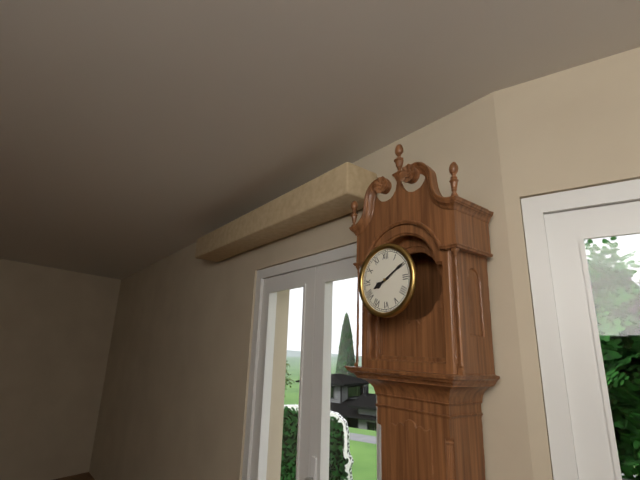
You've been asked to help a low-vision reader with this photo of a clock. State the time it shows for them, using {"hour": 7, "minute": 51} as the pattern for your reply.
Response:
{"hour": 8, "minute": 10}
